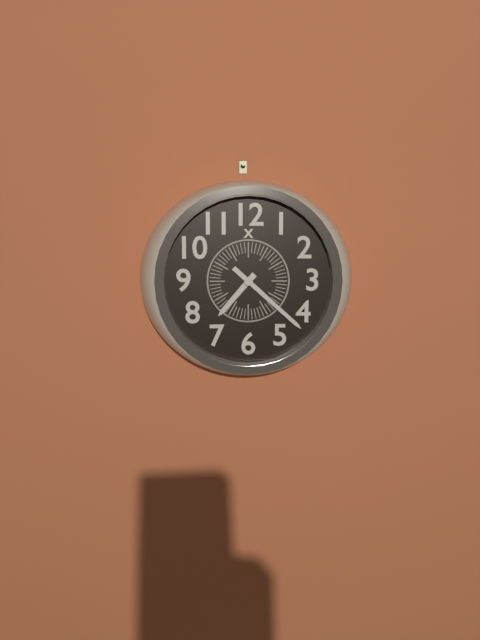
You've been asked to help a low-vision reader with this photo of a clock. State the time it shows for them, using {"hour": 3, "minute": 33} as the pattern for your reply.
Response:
{"hour": 7, "minute": 22}
